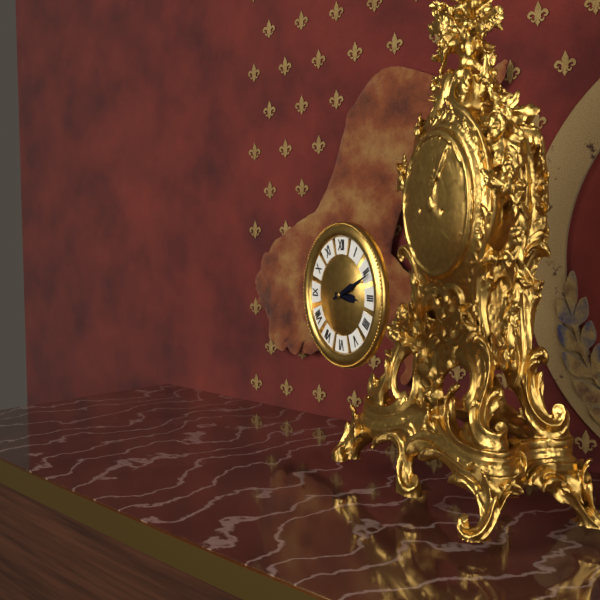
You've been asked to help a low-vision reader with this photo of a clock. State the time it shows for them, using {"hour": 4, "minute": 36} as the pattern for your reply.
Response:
{"hour": 3, "minute": 11}
